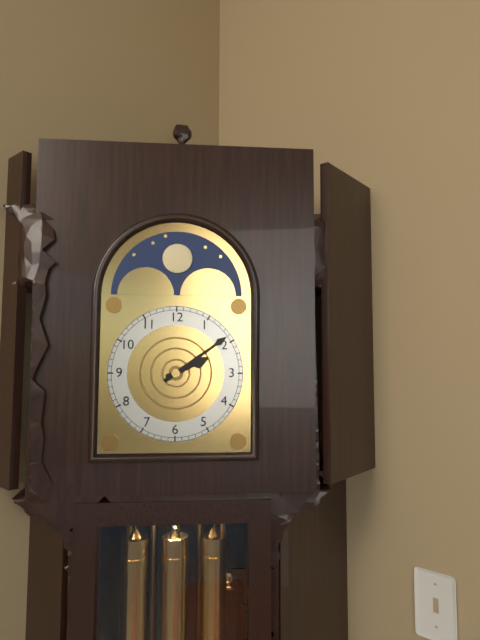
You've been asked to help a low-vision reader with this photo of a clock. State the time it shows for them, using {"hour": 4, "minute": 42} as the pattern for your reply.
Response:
{"hour": 2, "minute": 9}
